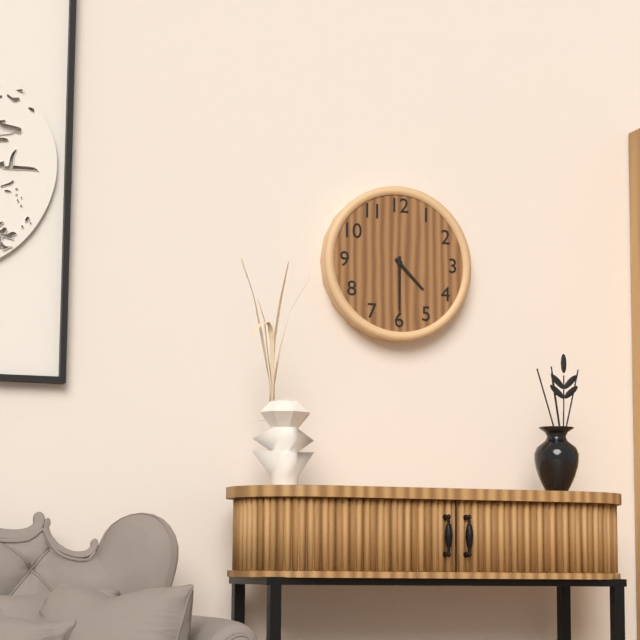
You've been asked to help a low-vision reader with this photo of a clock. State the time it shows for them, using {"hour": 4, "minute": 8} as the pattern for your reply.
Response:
{"hour": 4, "minute": 30}
